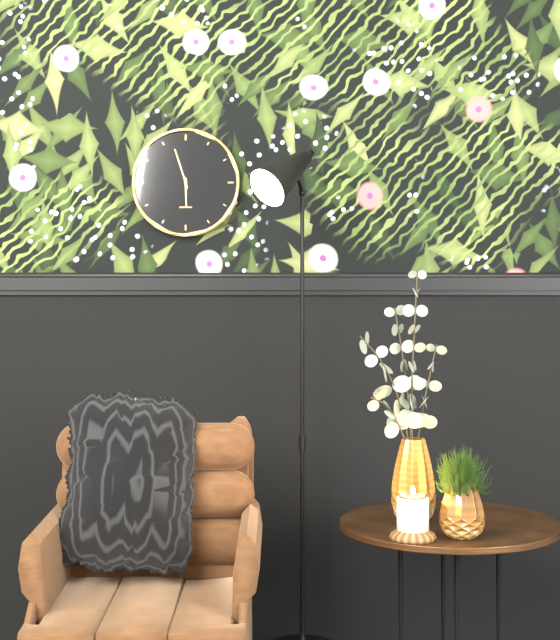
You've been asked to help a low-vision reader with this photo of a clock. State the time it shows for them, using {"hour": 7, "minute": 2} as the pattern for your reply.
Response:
{"hour": 5, "minute": 57}
